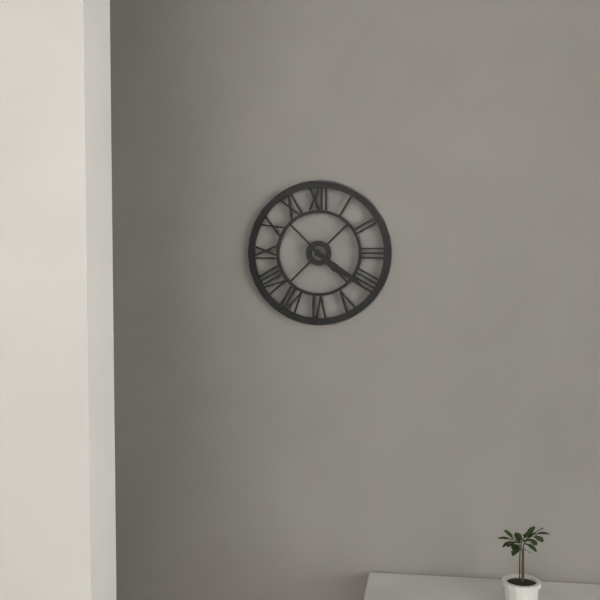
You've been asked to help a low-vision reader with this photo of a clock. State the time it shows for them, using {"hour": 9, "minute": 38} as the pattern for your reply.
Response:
{"hour": 4, "minute": 21}
